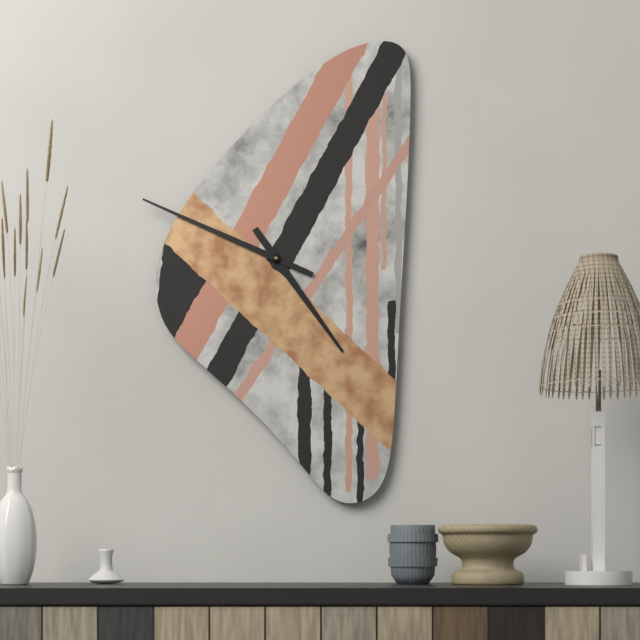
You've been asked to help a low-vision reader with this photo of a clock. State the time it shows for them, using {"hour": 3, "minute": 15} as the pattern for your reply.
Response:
{"hour": 4, "minute": 49}
